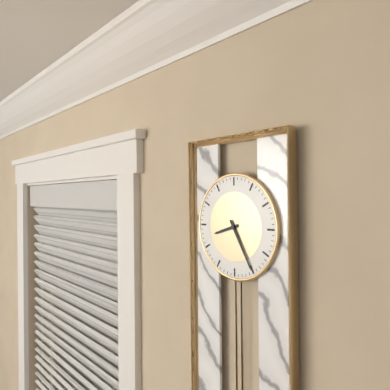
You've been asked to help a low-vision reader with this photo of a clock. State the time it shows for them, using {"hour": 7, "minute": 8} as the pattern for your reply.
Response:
{"hour": 8, "minute": 25}
